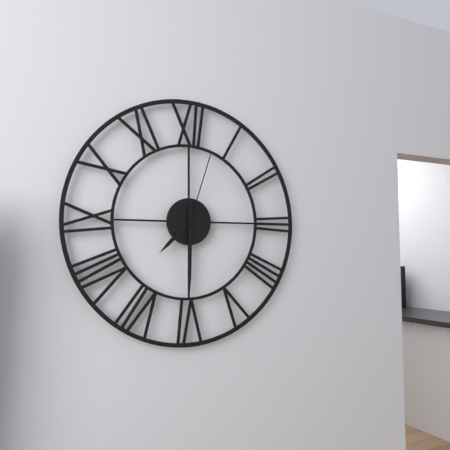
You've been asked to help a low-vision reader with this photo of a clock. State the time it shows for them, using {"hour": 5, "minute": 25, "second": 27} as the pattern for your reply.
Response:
{"hour": 7, "minute": 30, "second": 3}
